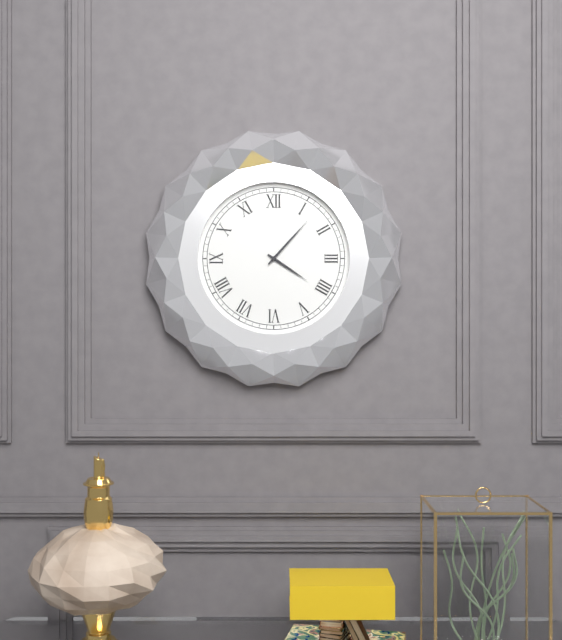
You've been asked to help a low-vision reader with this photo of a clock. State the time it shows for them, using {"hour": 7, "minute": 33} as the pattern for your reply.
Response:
{"hour": 4, "minute": 7}
